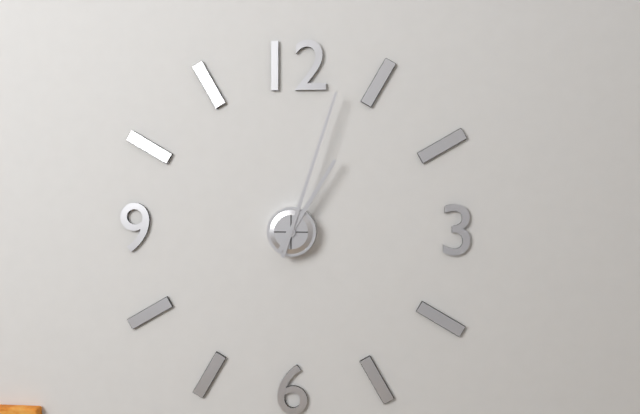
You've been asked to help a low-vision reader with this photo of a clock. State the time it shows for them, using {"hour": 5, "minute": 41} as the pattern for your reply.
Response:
{"hour": 1, "minute": 3}
